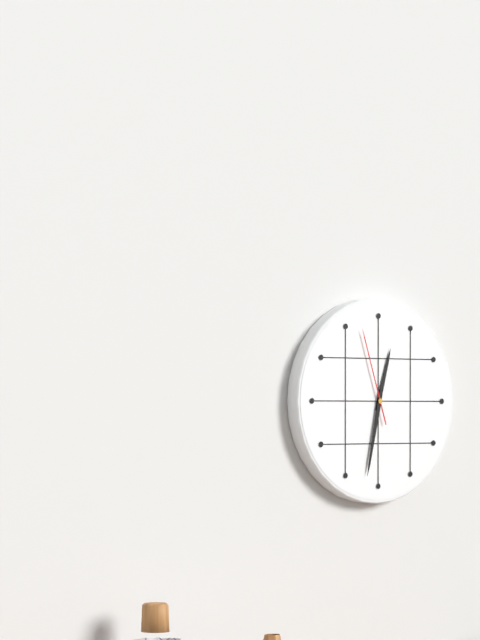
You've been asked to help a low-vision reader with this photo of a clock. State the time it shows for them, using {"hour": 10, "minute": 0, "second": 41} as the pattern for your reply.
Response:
{"hour": 12, "minute": 32, "second": 57}
